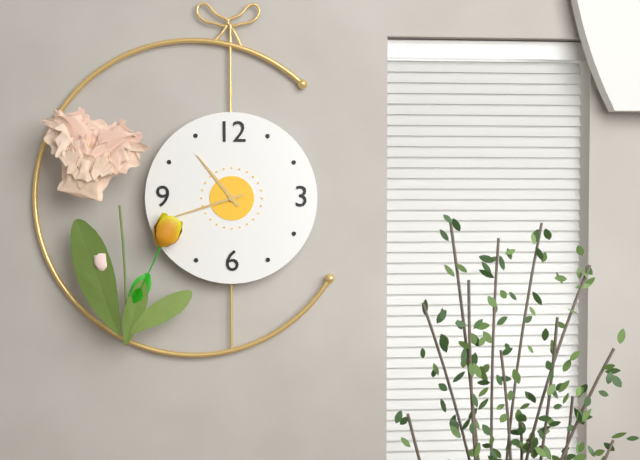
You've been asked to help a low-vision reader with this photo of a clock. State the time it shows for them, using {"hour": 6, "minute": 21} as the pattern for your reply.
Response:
{"hour": 10, "minute": 42}
